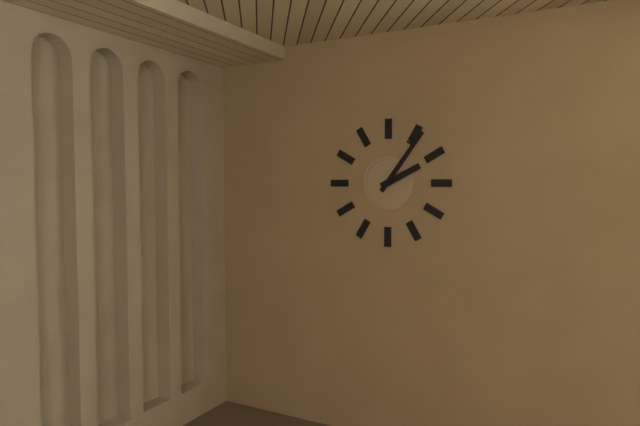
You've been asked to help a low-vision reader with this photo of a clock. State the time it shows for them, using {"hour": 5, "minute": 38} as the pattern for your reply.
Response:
{"hour": 2, "minute": 6}
